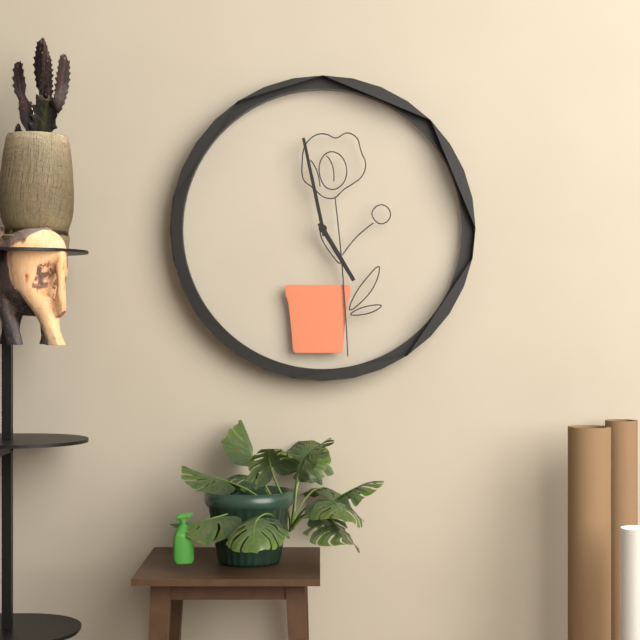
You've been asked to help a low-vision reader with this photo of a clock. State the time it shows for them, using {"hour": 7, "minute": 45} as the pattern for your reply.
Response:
{"hour": 4, "minute": 58}
